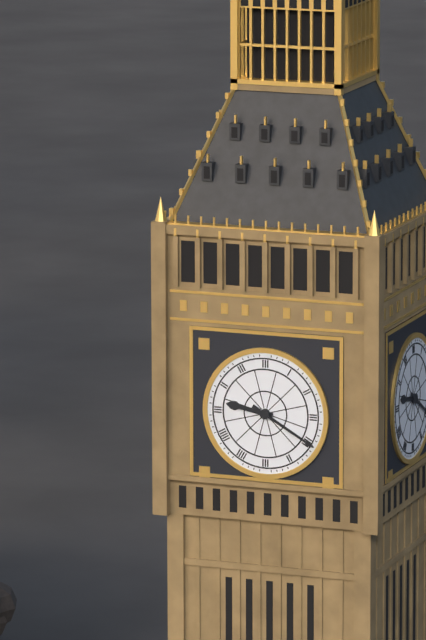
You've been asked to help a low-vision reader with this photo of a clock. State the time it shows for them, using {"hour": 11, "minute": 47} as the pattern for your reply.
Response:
{"hour": 9, "minute": 20}
